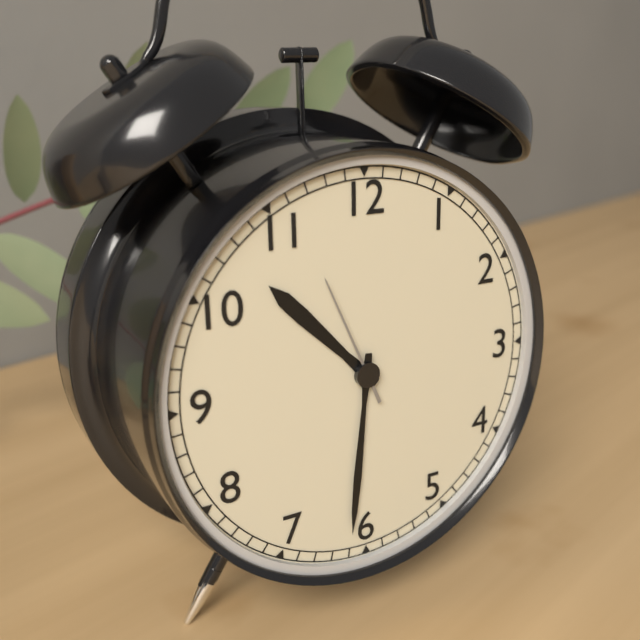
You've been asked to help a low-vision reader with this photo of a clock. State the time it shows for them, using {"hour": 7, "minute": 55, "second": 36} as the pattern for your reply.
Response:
{"hour": 10, "minute": 31, "second": 56}
